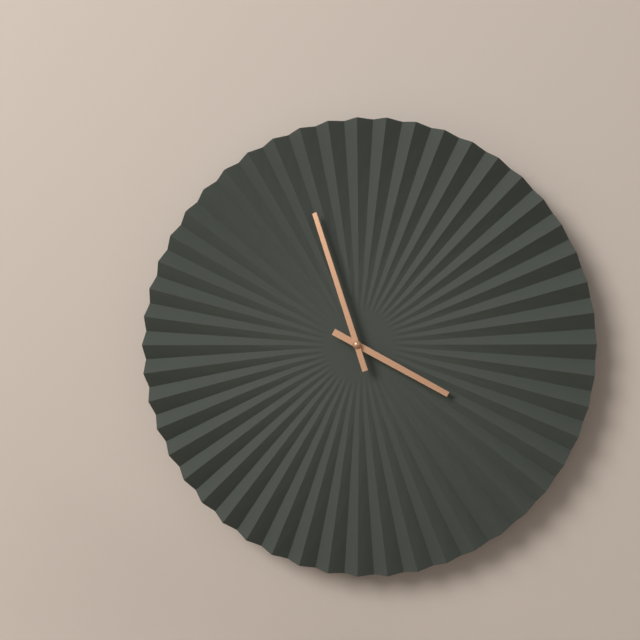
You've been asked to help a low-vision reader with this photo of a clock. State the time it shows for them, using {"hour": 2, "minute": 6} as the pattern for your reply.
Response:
{"hour": 3, "minute": 57}
